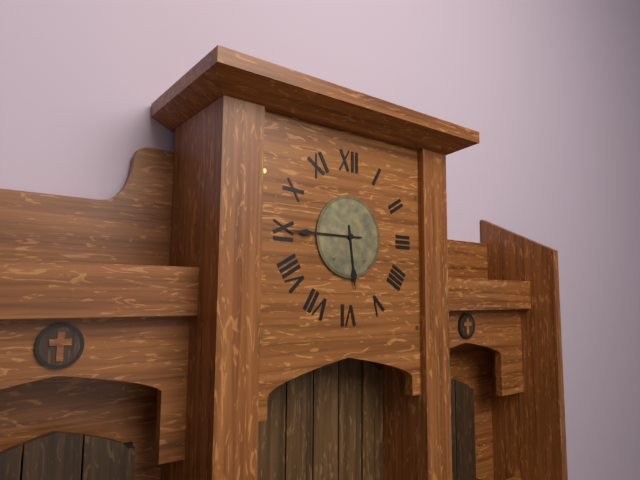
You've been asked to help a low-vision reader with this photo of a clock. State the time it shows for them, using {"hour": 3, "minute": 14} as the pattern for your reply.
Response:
{"hour": 5, "minute": 45}
